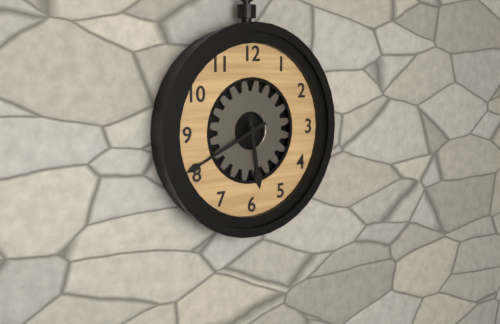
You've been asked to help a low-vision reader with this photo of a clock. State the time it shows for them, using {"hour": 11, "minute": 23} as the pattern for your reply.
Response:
{"hour": 5, "minute": 41}
